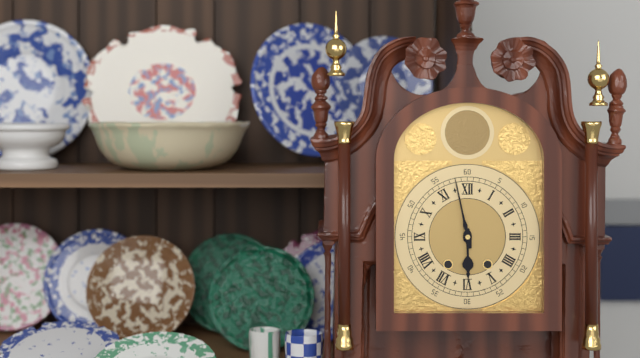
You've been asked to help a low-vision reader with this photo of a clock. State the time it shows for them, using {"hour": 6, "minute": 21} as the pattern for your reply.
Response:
{"hour": 5, "minute": 58}
